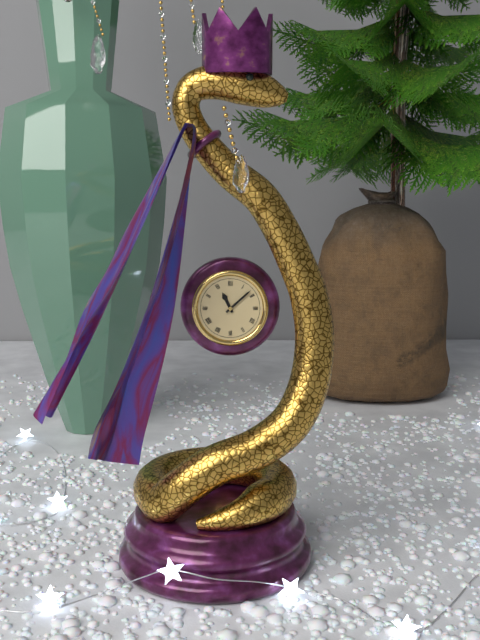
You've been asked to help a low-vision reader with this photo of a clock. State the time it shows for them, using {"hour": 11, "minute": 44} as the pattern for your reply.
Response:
{"hour": 11, "minute": 8}
